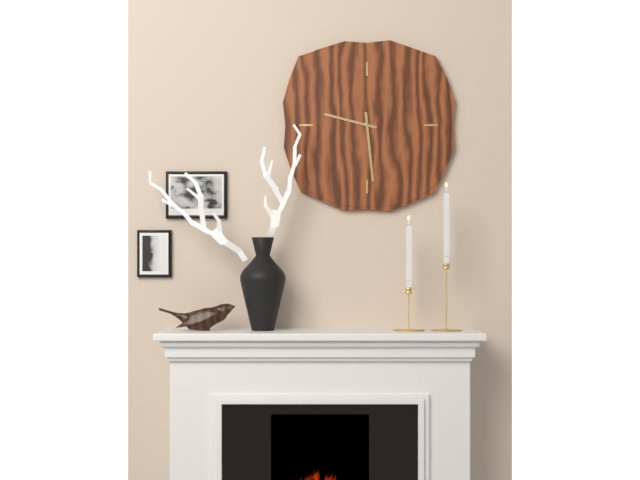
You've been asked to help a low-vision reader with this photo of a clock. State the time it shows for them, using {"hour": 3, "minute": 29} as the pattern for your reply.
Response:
{"hour": 9, "minute": 29}
